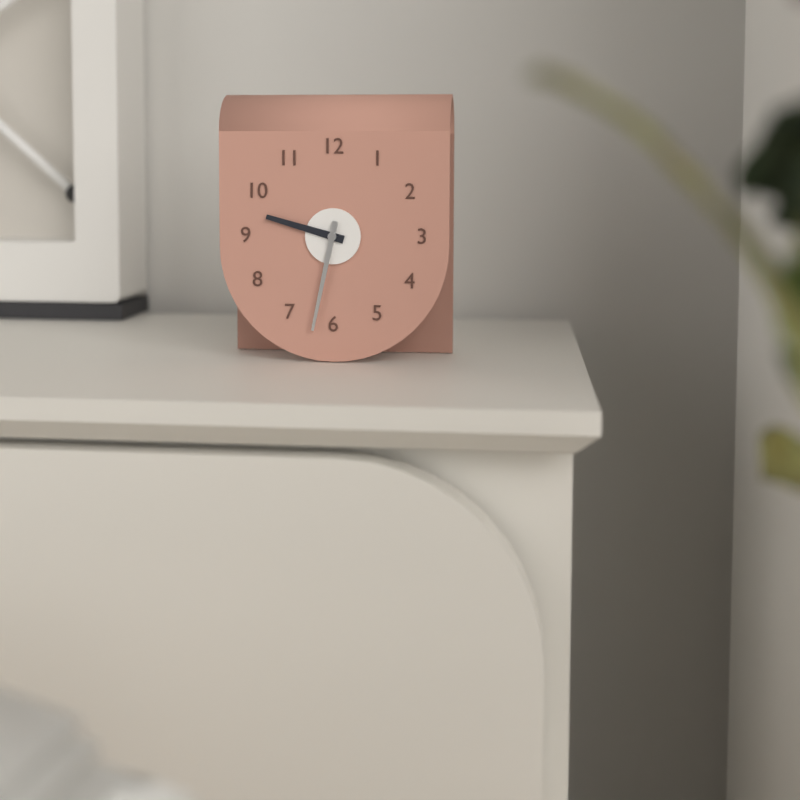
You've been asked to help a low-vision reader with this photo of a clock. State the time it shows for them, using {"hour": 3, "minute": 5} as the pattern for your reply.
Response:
{"hour": 9, "minute": 32}
